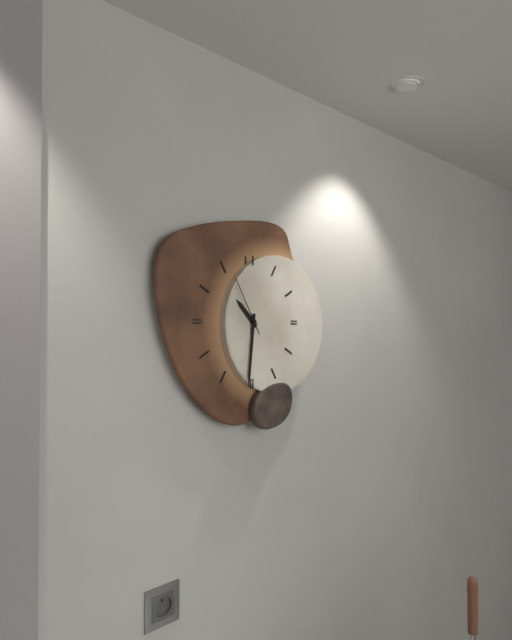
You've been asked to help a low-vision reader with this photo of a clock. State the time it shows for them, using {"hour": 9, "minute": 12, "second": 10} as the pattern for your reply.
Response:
{"hour": 10, "minute": 31, "second": 55}
